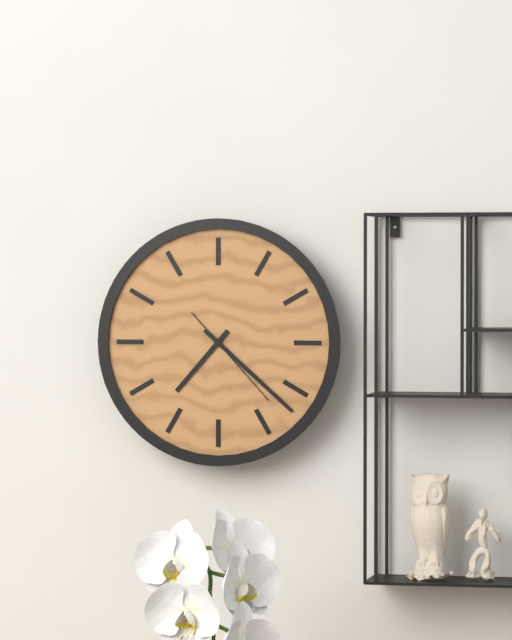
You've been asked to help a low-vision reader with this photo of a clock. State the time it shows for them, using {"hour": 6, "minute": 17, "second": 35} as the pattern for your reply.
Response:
{"hour": 7, "minute": 22, "second": 23}
